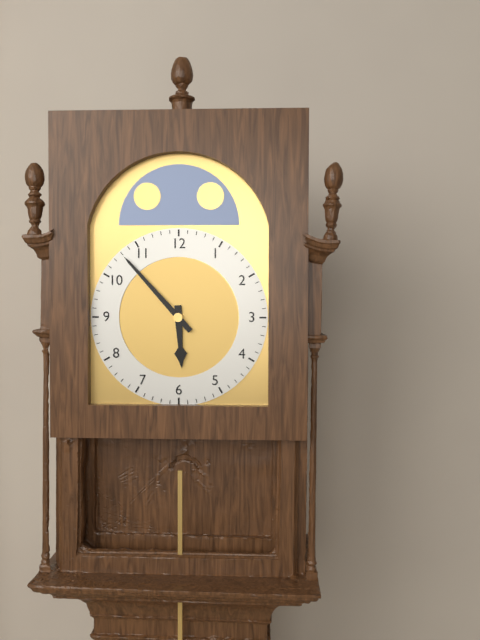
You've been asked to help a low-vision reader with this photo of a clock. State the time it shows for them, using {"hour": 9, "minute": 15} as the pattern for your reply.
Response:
{"hour": 5, "minute": 53}
